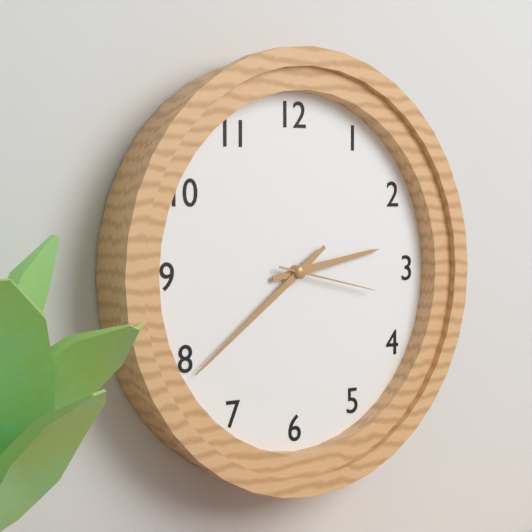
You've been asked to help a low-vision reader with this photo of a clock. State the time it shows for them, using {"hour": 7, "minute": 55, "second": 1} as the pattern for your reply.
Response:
{"hour": 2, "minute": 39, "second": 17}
